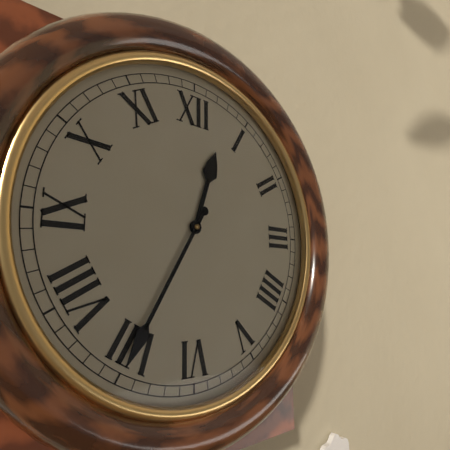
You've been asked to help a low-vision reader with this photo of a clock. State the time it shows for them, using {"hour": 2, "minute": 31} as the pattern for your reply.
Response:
{"hour": 12, "minute": 35}
